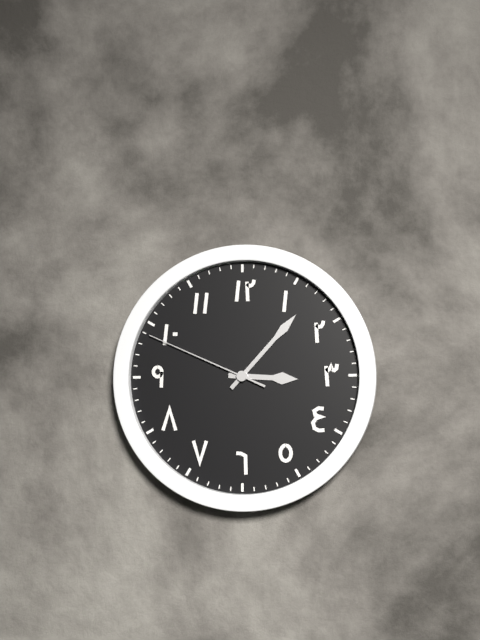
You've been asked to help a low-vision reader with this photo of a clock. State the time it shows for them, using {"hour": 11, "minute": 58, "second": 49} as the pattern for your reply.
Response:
{"hour": 3, "minute": 7, "second": 49}
